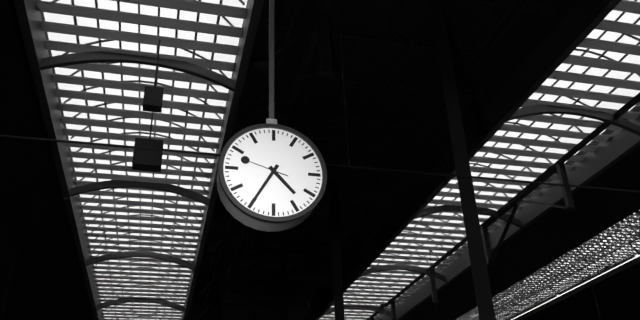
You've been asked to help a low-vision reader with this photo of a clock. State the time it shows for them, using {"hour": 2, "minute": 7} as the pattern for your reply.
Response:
{"hour": 4, "minute": 35}
